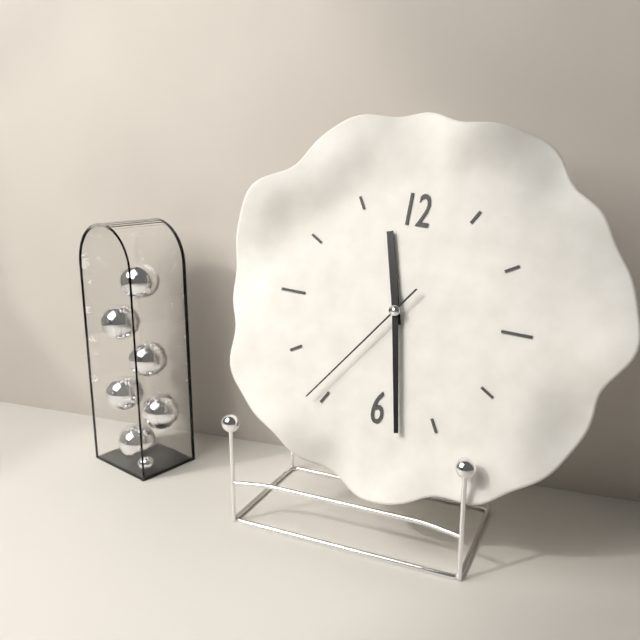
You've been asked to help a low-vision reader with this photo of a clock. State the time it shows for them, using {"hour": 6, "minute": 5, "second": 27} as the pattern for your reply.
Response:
{"hour": 11, "minute": 28, "second": 36}
